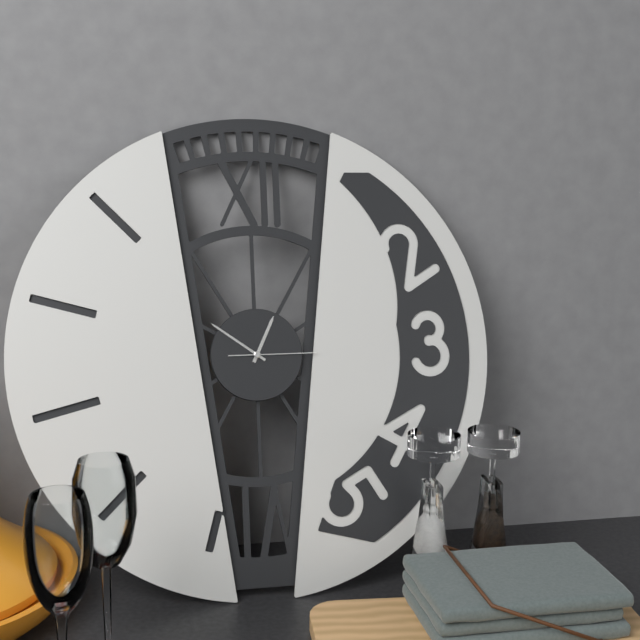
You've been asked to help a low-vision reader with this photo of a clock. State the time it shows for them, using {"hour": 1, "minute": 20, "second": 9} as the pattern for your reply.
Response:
{"hour": 12, "minute": 51, "second": 15}
